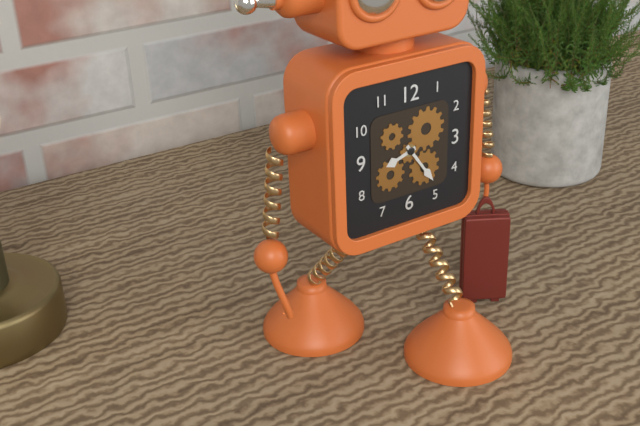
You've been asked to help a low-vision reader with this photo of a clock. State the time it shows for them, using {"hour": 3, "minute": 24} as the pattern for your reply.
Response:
{"hour": 8, "minute": 24}
